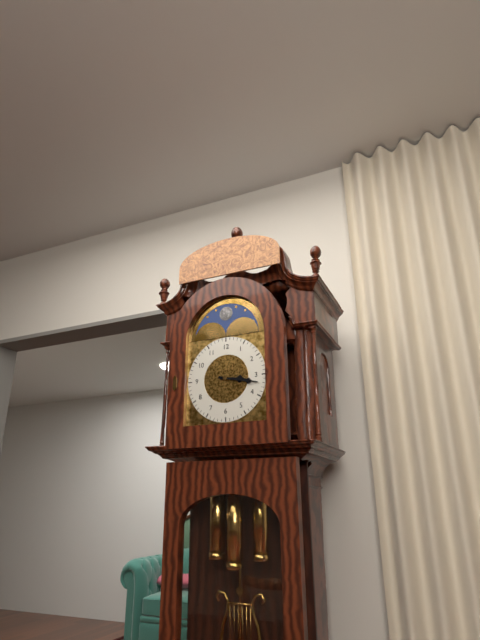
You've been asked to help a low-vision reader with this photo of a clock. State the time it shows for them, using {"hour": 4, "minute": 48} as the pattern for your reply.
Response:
{"hour": 3, "minute": 17}
